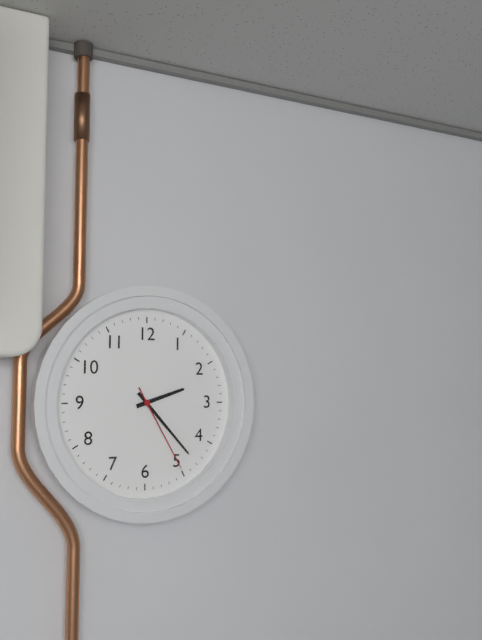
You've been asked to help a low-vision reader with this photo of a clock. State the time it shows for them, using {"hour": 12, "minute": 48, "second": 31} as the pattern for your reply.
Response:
{"hour": 2, "minute": 23, "second": 25}
